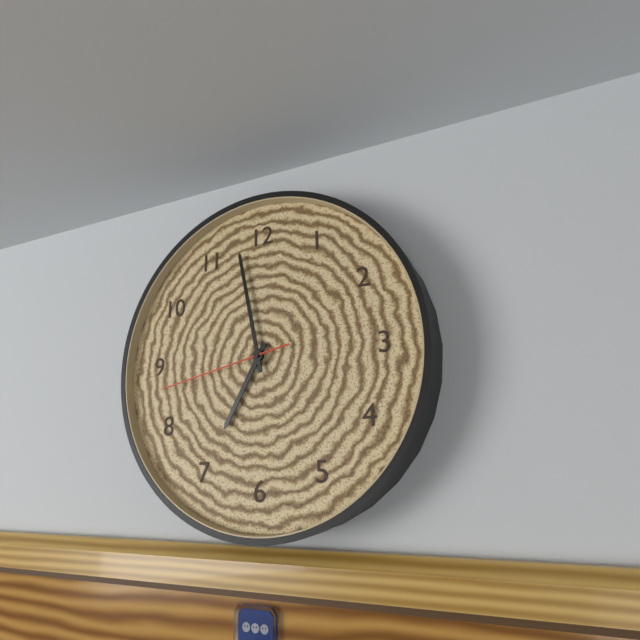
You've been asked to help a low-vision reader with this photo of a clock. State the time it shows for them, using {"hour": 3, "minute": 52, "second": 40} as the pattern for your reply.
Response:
{"hour": 6, "minute": 58, "second": 43}
